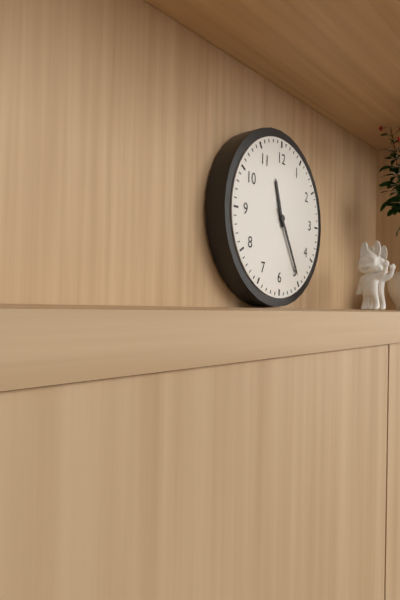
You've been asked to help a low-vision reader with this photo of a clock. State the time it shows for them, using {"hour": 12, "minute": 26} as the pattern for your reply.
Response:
{"hour": 11, "minute": 25}
